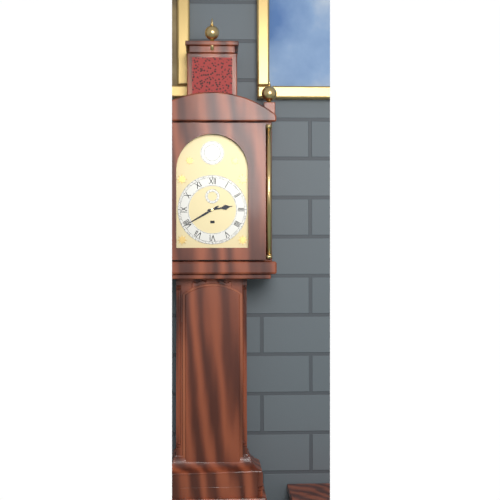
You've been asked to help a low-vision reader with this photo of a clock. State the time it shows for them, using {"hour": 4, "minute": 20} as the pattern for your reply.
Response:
{"hour": 2, "minute": 40}
